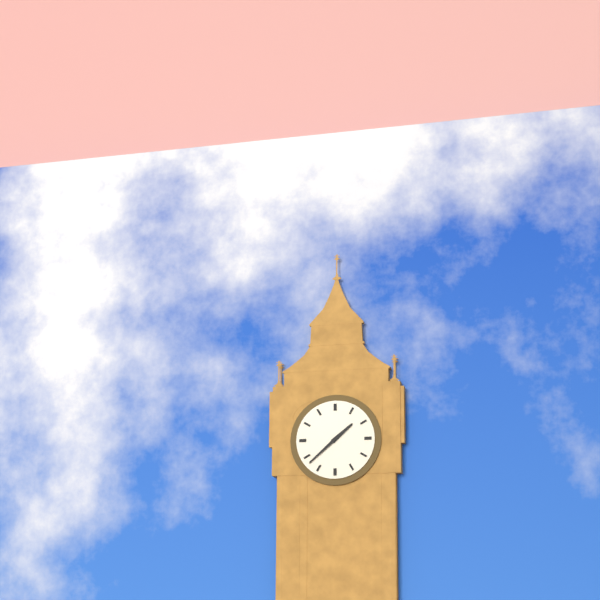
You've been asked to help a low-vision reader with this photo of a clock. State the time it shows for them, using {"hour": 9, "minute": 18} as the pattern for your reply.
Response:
{"hour": 1, "minute": 38}
